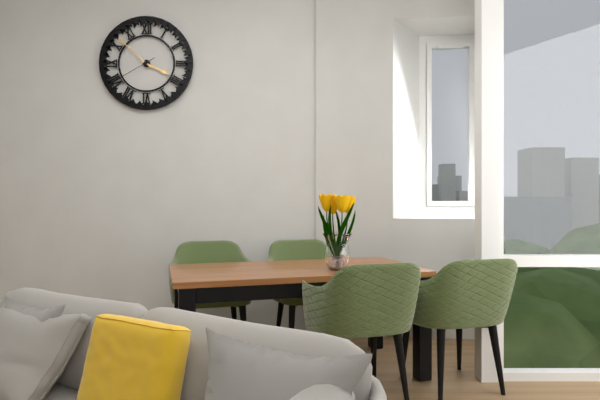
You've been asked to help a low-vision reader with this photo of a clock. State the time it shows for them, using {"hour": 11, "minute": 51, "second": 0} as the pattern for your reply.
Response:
{"hour": 3, "minute": 52, "second": 40}
